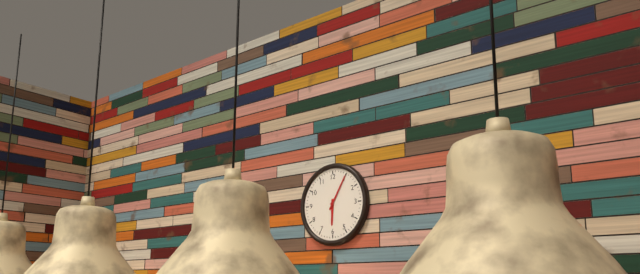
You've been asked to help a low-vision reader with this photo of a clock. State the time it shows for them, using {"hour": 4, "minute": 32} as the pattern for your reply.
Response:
{"hour": 6, "minute": 5}
